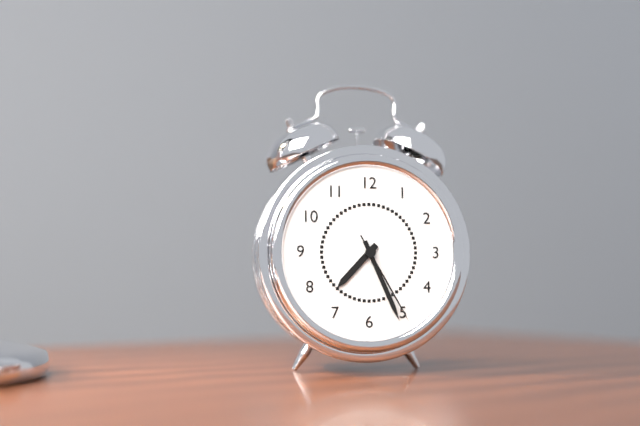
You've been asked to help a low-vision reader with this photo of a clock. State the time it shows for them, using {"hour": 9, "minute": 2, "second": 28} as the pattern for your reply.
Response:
{"hour": 7, "minute": 26, "second": 25}
